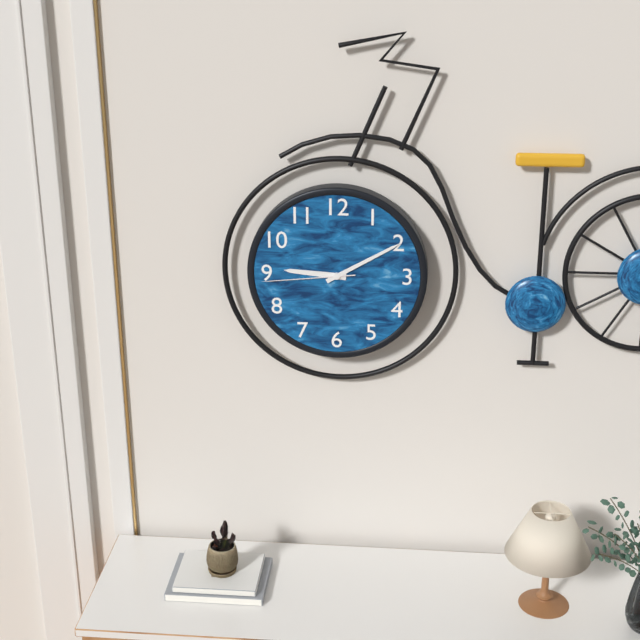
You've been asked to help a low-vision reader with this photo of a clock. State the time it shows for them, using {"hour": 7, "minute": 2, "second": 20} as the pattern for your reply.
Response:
{"hour": 9, "minute": 10, "second": 44}
